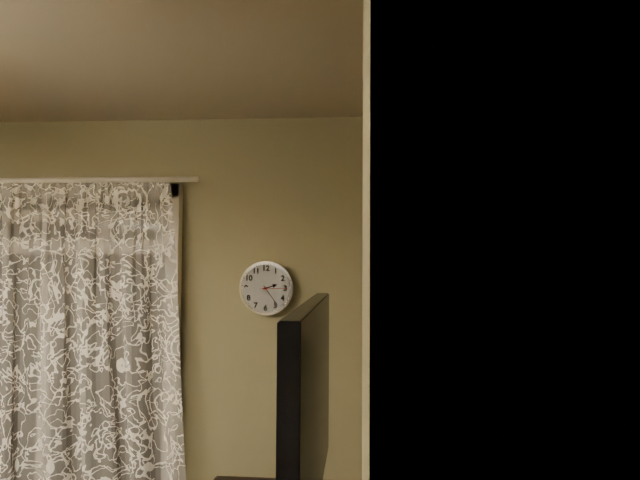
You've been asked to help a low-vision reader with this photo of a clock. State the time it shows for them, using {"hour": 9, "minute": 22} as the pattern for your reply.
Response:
{"hour": 2, "minute": 24}
